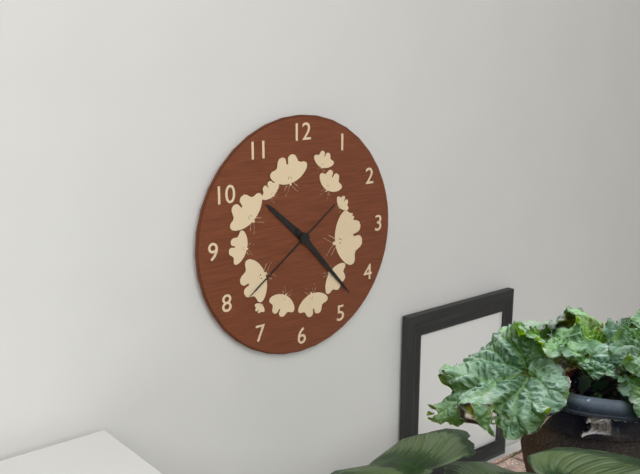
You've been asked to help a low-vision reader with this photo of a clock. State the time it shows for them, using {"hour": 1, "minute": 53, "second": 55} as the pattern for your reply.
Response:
{"hour": 10, "minute": 23, "second": 39}
